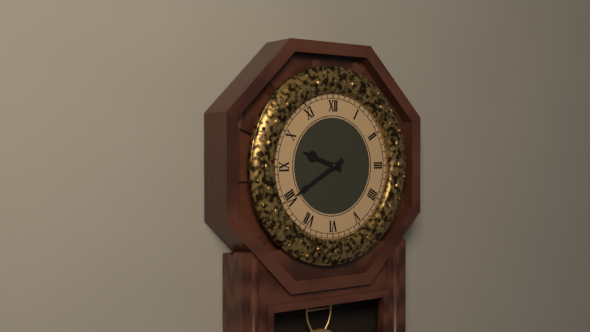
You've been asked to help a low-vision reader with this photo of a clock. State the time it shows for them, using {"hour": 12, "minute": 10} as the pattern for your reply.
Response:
{"hour": 9, "minute": 40}
